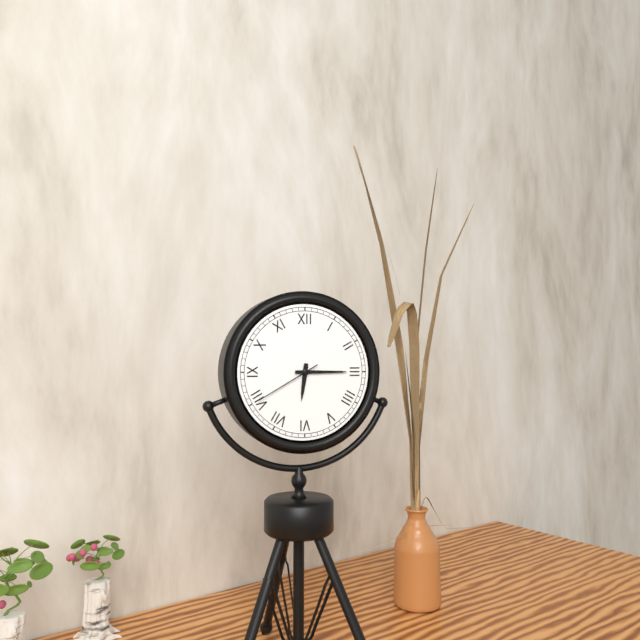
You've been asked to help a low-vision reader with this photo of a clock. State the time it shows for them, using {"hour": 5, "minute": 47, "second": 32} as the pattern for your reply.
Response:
{"hour": 6, "minute": 15, "second": 40}
